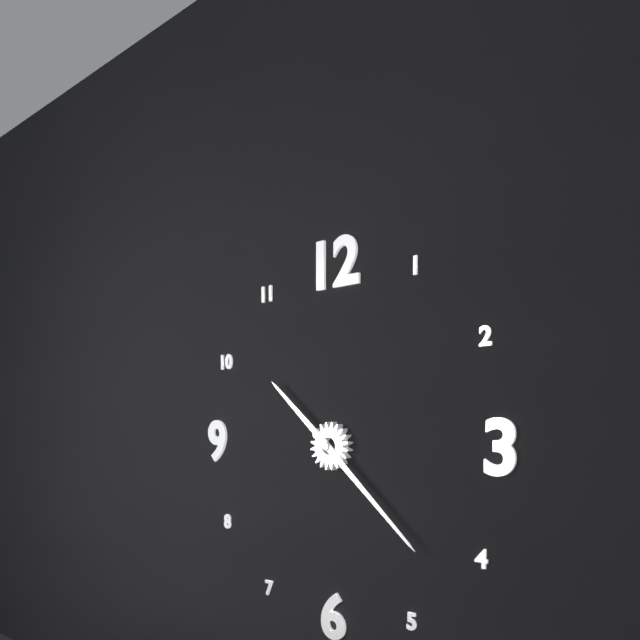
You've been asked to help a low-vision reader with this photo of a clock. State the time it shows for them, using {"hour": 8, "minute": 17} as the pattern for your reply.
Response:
{"hour": 10, "minute": 22}
